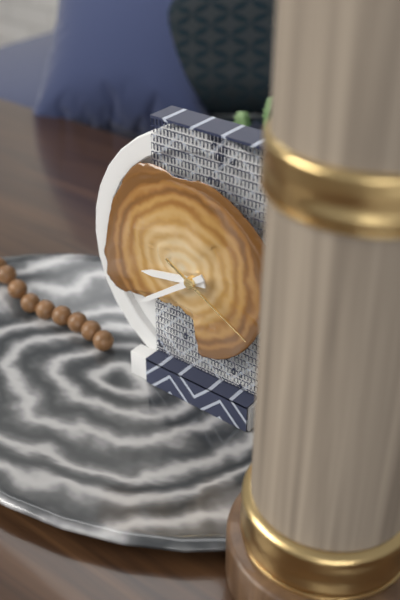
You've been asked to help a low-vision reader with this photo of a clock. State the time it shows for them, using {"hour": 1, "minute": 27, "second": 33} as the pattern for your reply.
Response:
{"hour": 8, "minute": 39, "second": 20}
